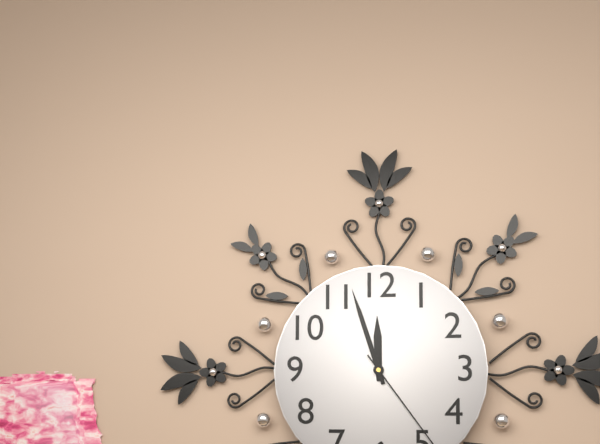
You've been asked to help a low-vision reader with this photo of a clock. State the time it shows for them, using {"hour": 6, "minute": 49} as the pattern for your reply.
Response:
{"hour": 11, "minute": 57}
